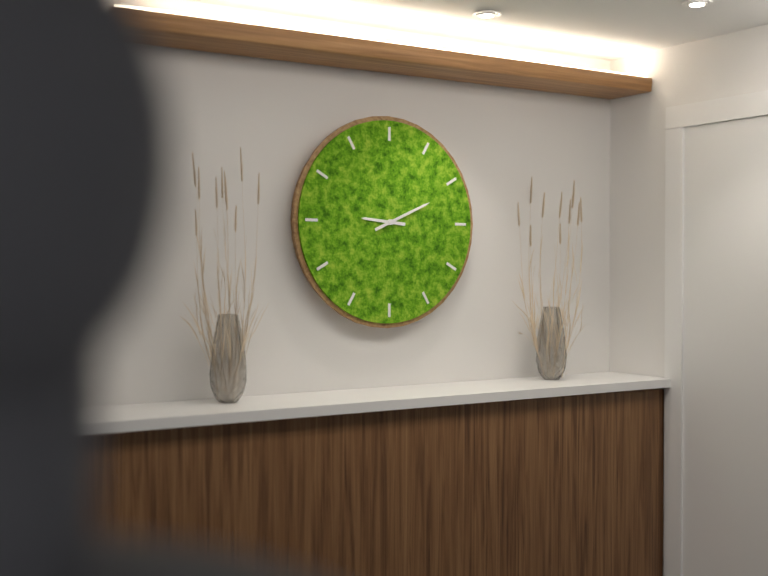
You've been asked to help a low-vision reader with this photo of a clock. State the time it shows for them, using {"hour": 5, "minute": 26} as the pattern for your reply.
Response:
{"hour": 9, "minute": 11}
